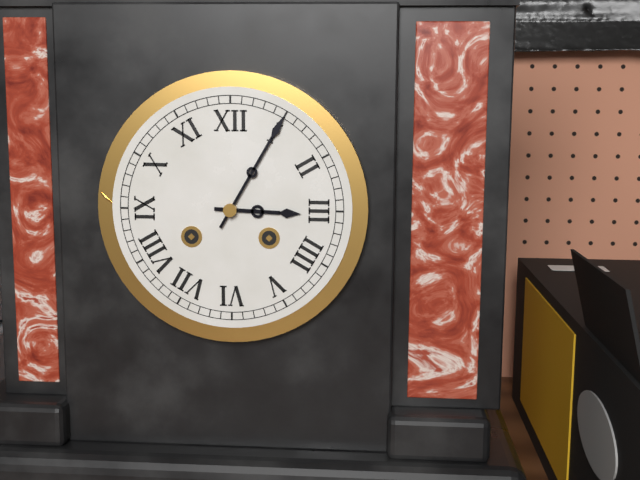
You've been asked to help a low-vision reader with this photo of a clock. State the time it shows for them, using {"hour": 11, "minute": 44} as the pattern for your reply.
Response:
{"hour": 3, "minute": 5}
